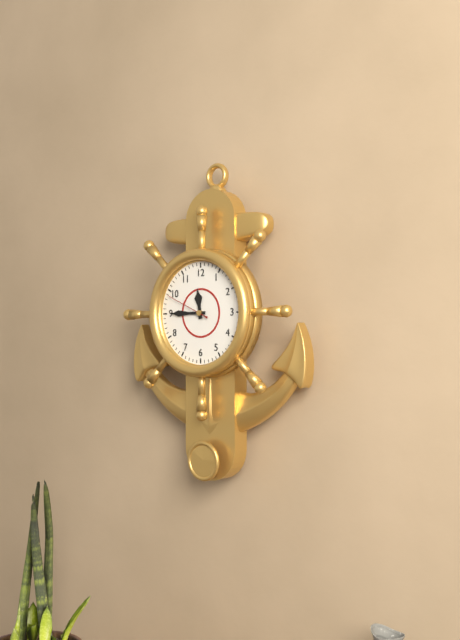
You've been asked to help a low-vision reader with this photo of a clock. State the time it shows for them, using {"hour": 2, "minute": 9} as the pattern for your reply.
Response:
{"hour": 11, "minute": 45}
